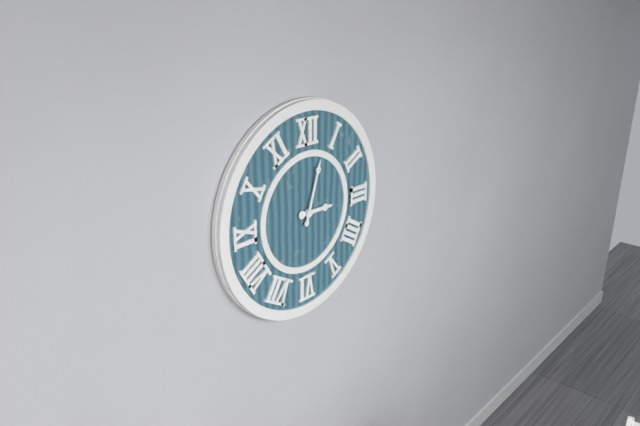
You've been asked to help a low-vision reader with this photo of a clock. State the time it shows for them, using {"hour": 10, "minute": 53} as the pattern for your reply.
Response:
{"hour": 3, "minute": 3}
